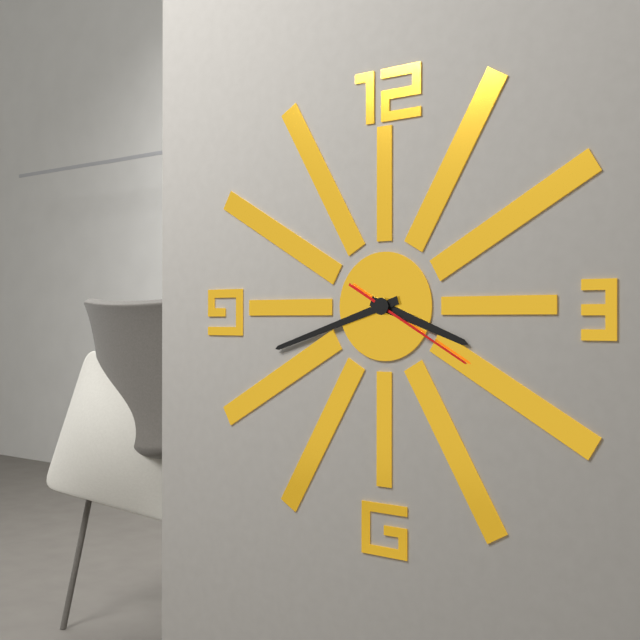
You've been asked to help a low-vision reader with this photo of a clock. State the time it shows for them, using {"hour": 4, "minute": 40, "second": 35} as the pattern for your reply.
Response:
{"hour": 3, "minute": 42, "second": 20}
